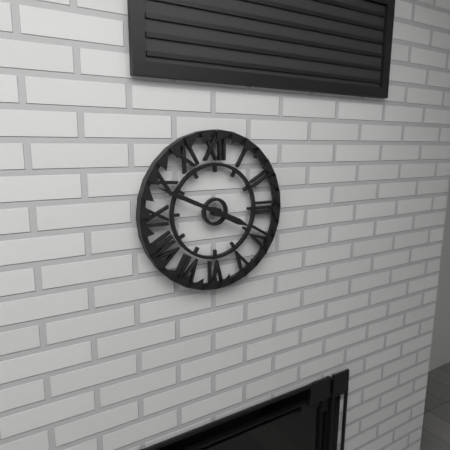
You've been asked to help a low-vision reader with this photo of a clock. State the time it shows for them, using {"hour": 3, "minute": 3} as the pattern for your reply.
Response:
{"hour": 3, "minute": 49}
